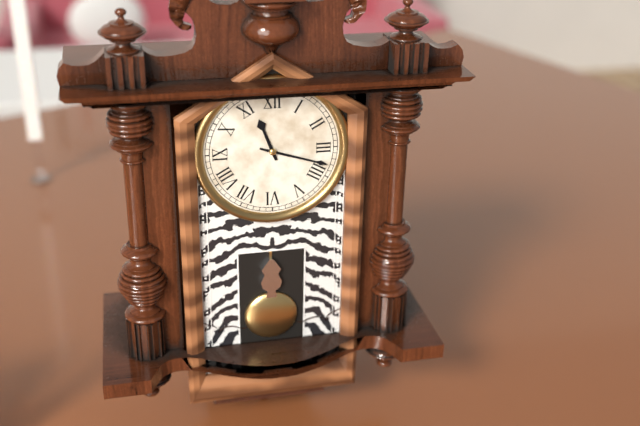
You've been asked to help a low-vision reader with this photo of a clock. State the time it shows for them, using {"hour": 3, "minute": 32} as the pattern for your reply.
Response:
{"hour": 11, "minute": 18}
